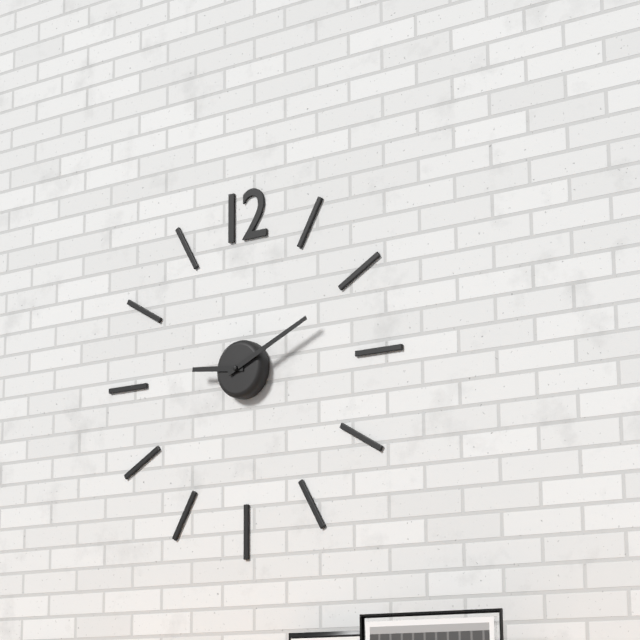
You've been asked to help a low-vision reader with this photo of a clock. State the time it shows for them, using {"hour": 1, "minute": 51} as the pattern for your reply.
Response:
{"hour": 9, "minute": 11}
